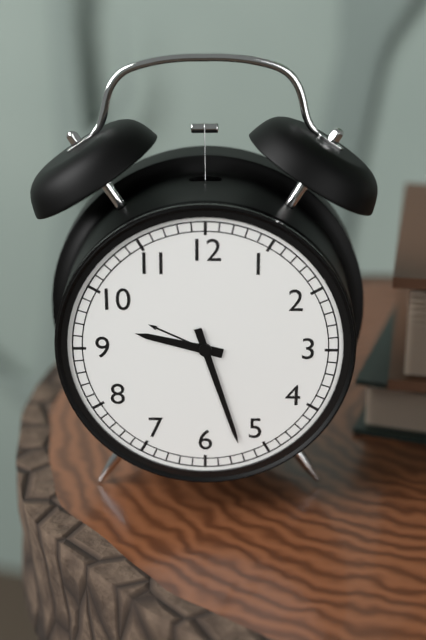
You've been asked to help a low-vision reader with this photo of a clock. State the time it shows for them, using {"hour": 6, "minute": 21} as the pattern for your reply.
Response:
{"hour": 9, "minute": 27}
